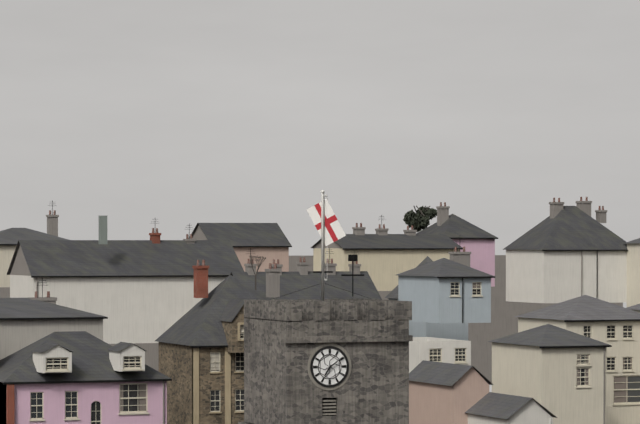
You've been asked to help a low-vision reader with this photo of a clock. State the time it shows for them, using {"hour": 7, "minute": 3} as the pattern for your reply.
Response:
{"hour": 7, "minute": 9}
